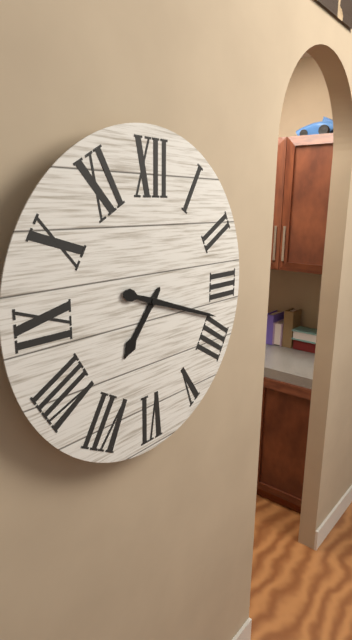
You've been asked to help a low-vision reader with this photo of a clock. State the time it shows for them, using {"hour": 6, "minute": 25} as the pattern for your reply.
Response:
{"hour": 7, "minute": 18}
